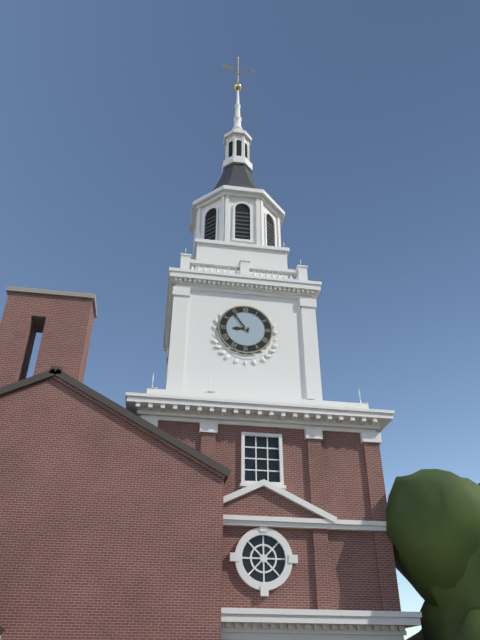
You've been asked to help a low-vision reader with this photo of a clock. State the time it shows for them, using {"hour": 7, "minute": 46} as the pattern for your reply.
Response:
{"hour": 8, "minute": 54}
